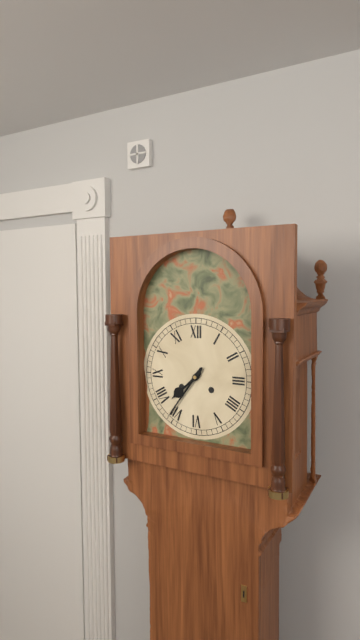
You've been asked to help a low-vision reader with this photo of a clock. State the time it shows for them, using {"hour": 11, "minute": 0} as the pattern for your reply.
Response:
{"hour": 7, "minute": 36}
